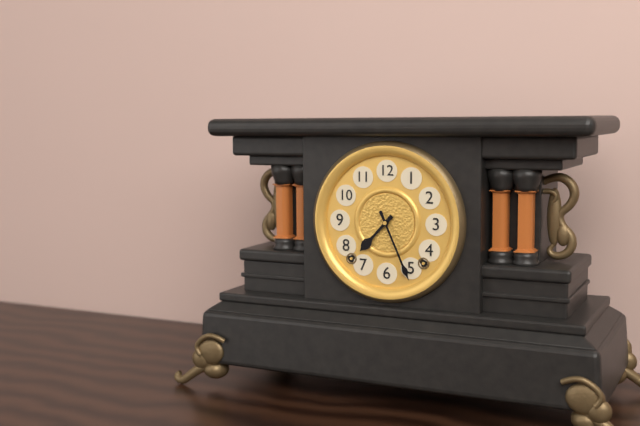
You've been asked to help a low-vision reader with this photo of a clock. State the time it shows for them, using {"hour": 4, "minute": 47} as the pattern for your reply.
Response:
{"hour": 7, "minute": 26}
